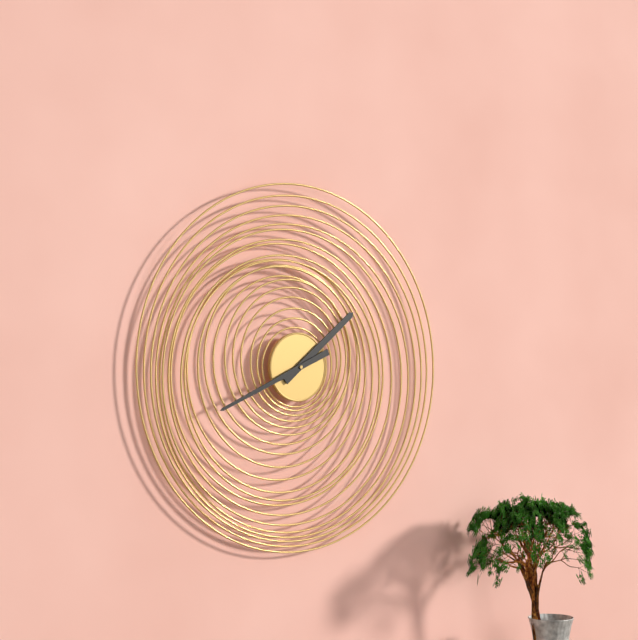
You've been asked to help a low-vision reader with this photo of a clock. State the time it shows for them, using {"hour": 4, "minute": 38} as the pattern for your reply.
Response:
{"hour": 1, "minute": 41}
